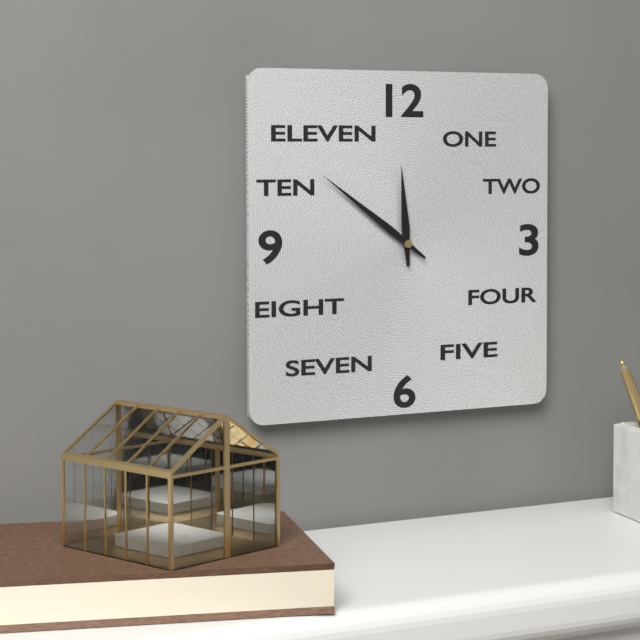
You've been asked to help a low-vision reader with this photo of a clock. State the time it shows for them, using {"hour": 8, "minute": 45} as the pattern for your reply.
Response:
{"hour": 11, "minute": 51}
